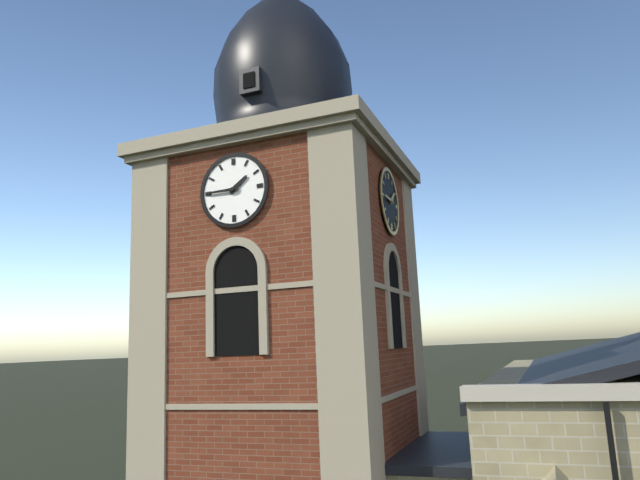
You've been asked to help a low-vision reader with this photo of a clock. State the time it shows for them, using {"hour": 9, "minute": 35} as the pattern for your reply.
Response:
{"hour": 1, "minute": 45}
